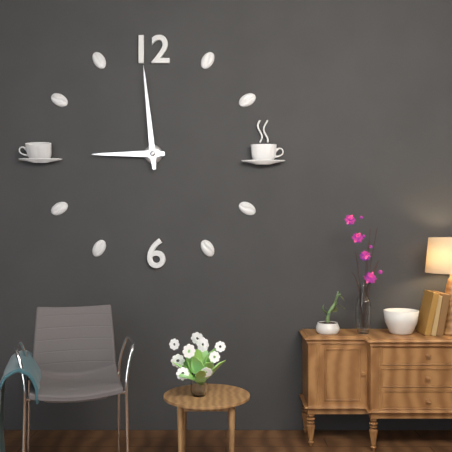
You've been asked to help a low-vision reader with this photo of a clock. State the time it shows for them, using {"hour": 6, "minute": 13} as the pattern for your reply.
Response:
{"hour": 8, "minute": 59}
